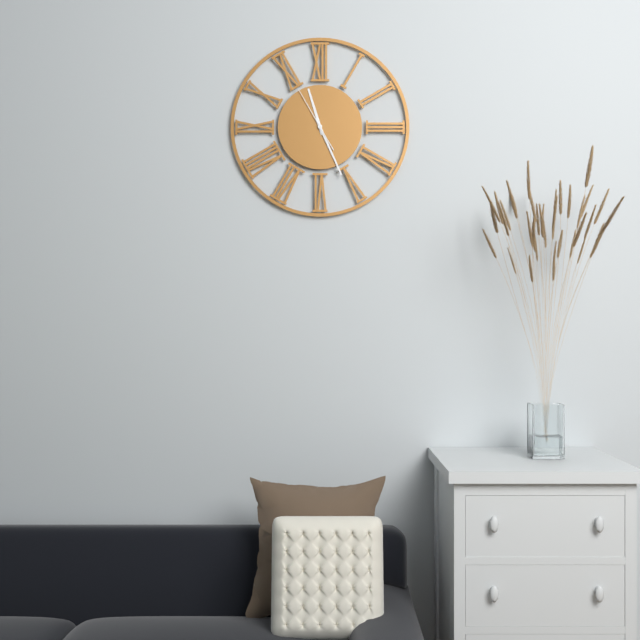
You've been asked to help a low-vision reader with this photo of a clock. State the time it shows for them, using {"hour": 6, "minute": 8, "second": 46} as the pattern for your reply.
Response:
{"hour": 11, "minute": 26, "second": 55}
